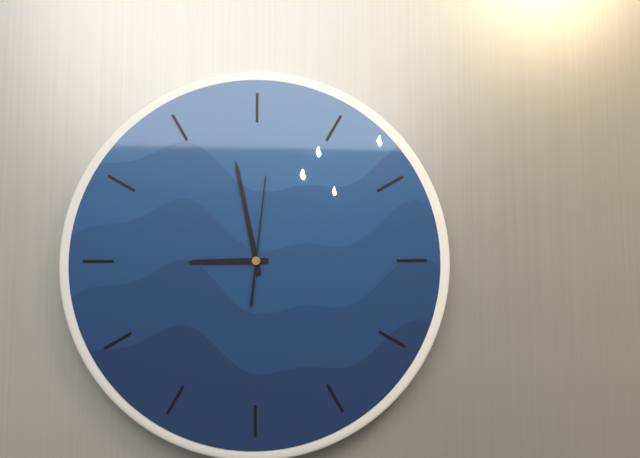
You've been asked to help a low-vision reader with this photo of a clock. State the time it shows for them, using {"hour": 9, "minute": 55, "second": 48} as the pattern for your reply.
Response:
{"hour": 8, "minute": 58, "second": 1}
